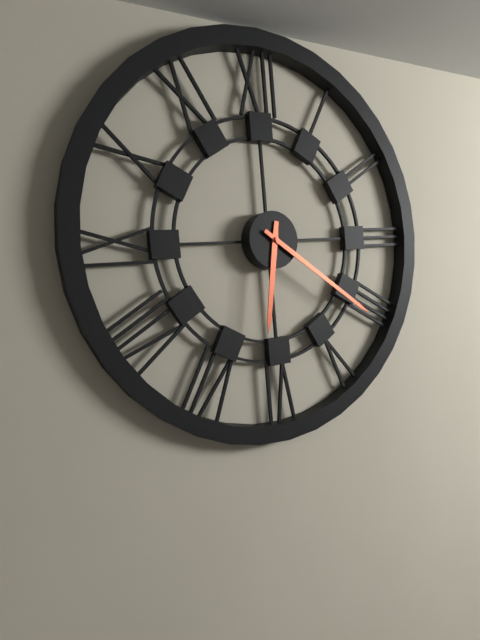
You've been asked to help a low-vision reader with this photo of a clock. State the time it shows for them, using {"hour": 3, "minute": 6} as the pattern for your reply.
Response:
{"hour": 6, "minute": 21}
